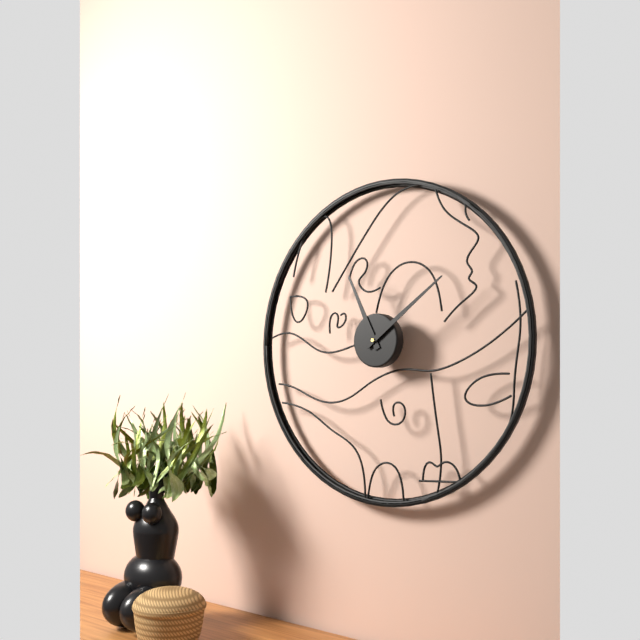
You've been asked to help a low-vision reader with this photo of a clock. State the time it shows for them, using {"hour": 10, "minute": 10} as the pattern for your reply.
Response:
{"hour": 11, "minute": 9}
